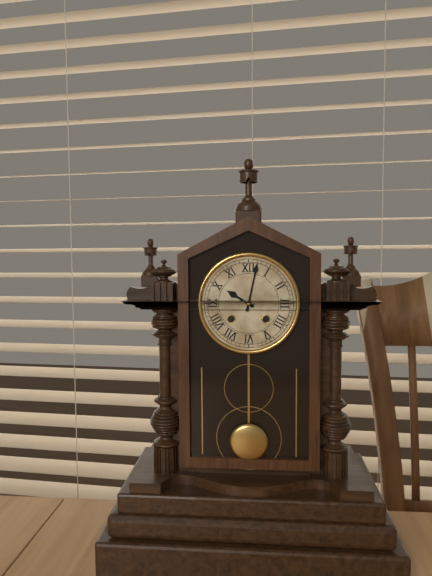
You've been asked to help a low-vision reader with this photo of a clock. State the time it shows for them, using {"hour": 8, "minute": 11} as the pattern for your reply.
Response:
{"hour": 10, "minute": 2}
